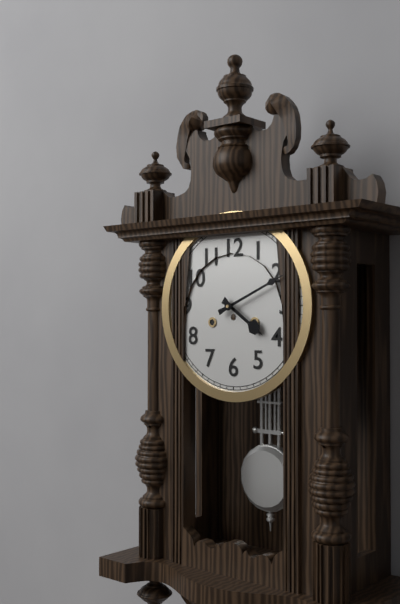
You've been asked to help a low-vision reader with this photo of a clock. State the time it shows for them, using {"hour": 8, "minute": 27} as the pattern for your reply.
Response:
{"hour": 4, "minute": 11}
